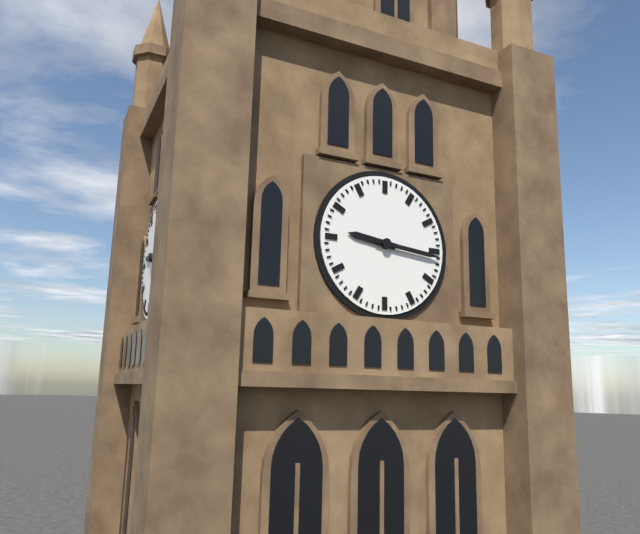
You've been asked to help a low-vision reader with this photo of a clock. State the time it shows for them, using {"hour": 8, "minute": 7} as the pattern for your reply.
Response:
{"hour": 9, "minute": 16}
